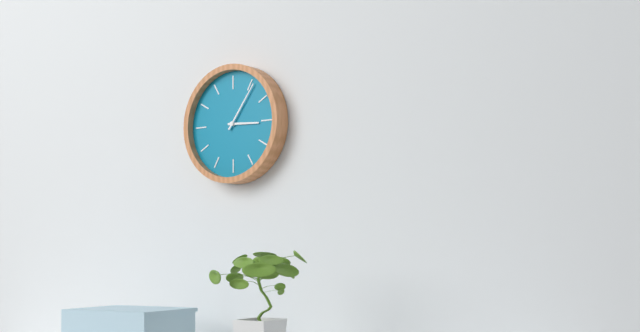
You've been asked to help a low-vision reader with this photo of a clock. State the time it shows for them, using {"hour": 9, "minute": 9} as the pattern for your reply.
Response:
{"hour": 3, "minute": 6}
